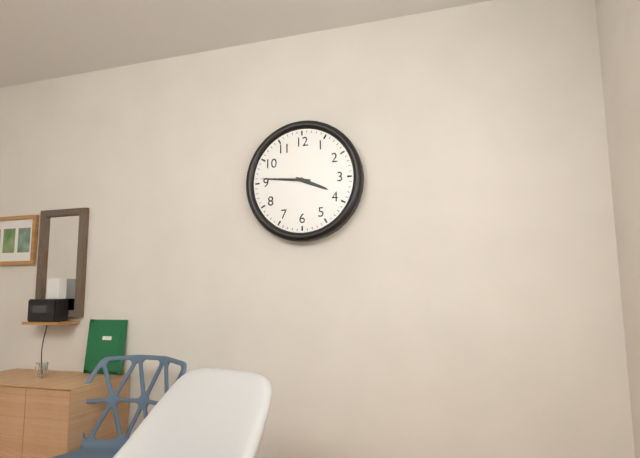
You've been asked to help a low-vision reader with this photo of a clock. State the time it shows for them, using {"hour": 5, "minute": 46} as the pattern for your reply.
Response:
{"hour": 3, "minute": 46}
